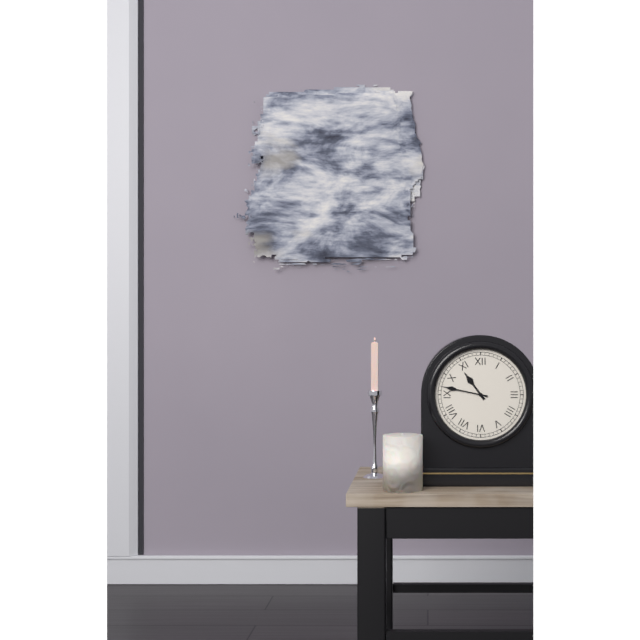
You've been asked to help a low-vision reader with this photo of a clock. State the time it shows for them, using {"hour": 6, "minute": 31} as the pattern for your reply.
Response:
{"hour": 10, "minute": 47}
